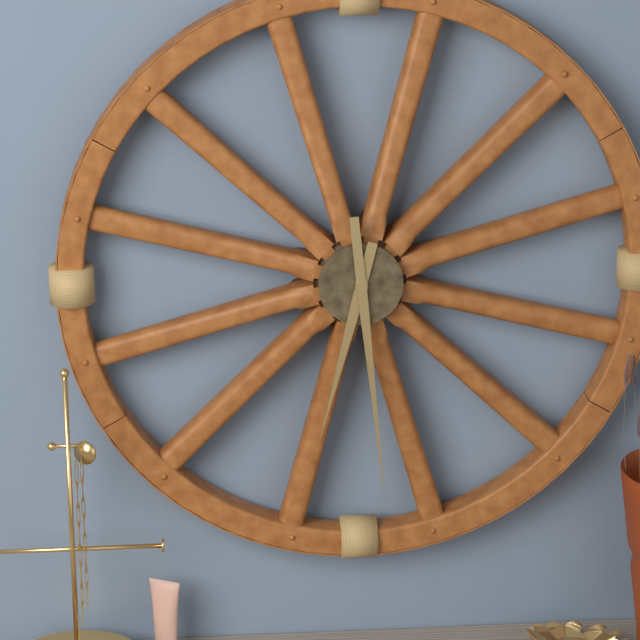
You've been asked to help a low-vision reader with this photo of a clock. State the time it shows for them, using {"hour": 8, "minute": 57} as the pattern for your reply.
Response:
{"hour": 6, "minute": 29}
